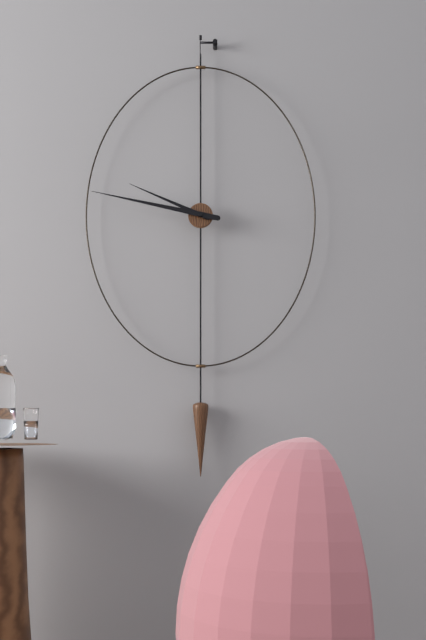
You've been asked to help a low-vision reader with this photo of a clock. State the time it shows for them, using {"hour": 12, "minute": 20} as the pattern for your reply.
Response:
{"hour": 9, "minute": 47}
